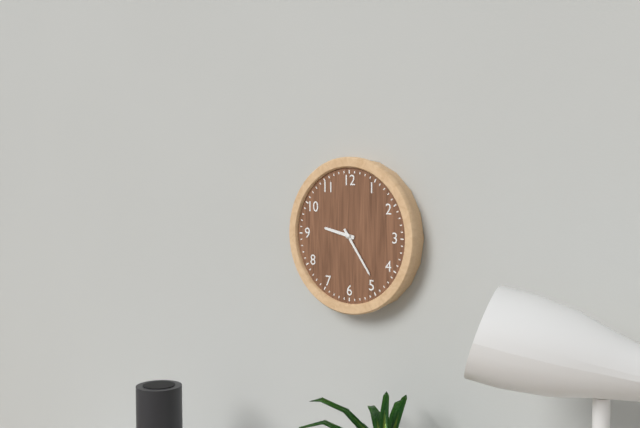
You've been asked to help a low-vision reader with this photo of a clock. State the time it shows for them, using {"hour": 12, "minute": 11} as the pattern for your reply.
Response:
{"hour": 9, "minute": 24}
